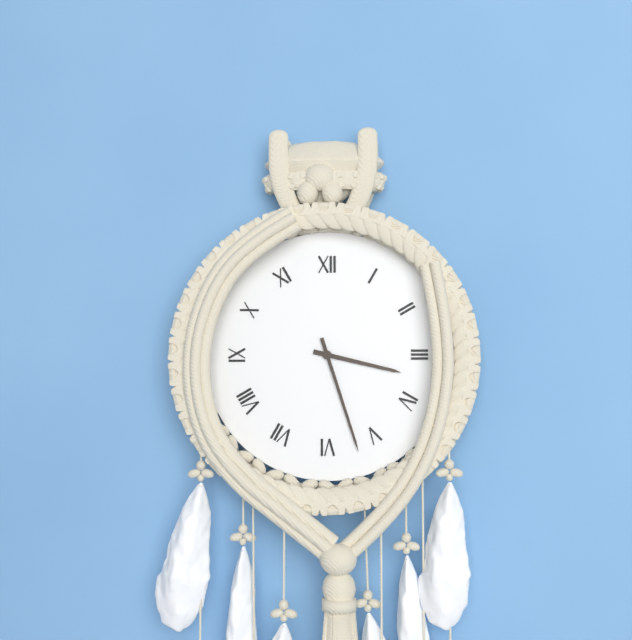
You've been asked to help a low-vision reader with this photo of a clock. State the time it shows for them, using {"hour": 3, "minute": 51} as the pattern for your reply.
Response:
{"hour": 3, "minute": 27}
